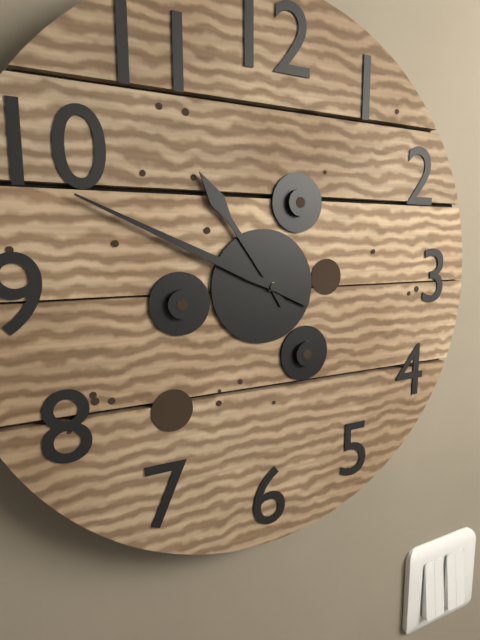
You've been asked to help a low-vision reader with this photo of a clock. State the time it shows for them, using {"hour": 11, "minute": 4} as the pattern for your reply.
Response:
{"hour": 10, "minute": 49}
